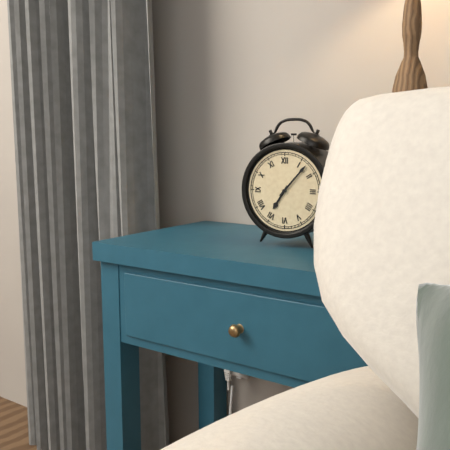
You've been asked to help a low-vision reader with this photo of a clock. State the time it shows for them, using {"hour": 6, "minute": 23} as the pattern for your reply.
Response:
{"hour": 7, "minute": 7}
